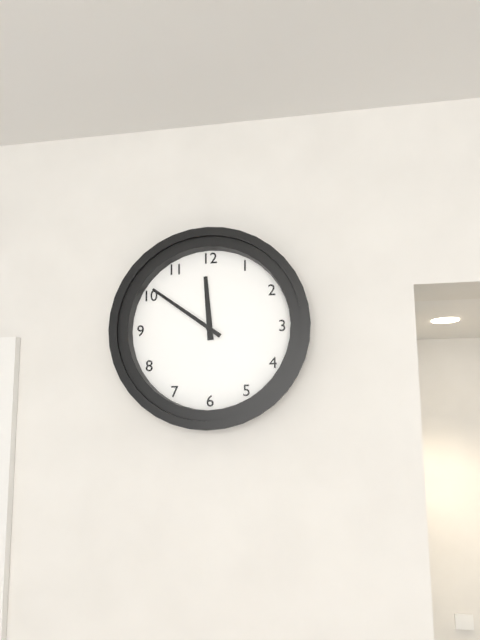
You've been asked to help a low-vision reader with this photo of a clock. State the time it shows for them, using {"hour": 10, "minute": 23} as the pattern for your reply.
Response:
{"hour": 11, "minute": 51}
